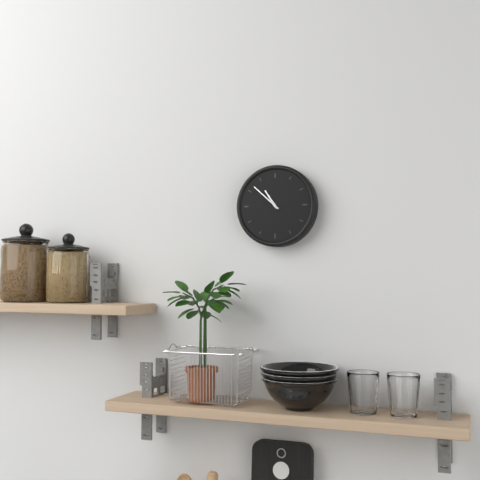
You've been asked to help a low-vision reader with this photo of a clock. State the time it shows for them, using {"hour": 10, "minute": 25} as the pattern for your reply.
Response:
{"hour": 10, "minute": 52}
